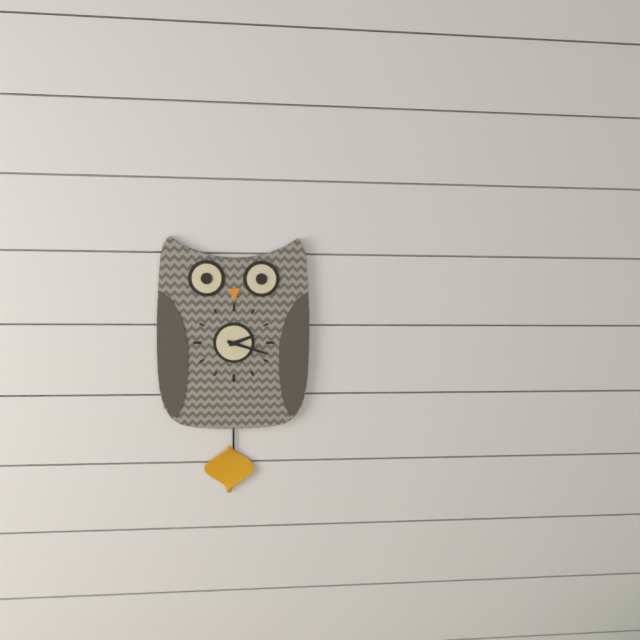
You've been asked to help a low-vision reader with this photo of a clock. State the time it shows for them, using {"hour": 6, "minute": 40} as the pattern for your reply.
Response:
{"hour": 2, "minute": 18}
